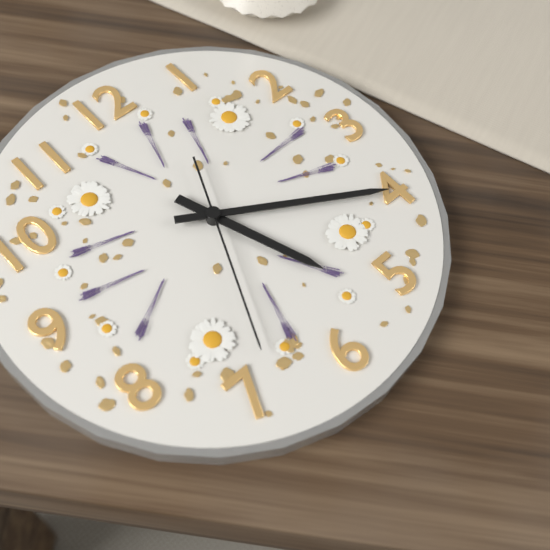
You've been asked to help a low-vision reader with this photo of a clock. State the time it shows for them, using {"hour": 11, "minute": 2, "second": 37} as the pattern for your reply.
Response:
{"hour": 5, "minute": 20, "second": 34}
